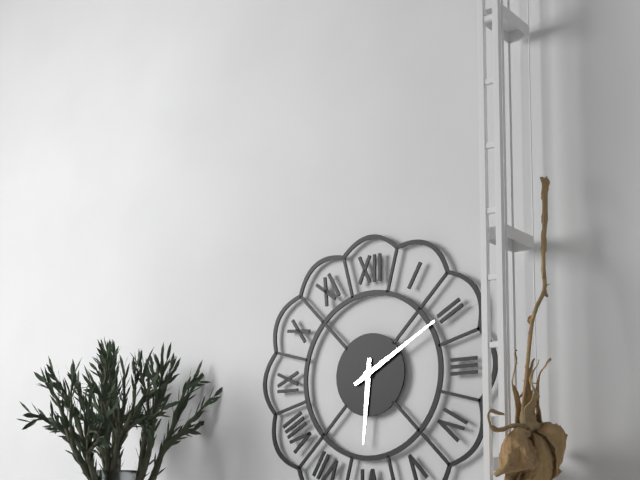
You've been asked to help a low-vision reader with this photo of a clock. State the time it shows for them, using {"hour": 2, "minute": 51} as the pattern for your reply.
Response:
{"hour": 6, "minute": 10}
